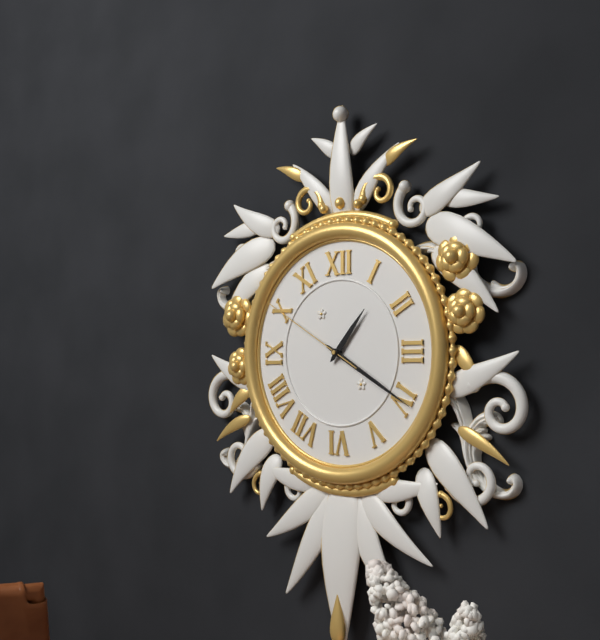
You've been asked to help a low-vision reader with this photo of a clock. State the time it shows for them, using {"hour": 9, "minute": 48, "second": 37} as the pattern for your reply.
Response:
{"hour": 1, "minute": 20, "second": 50}
